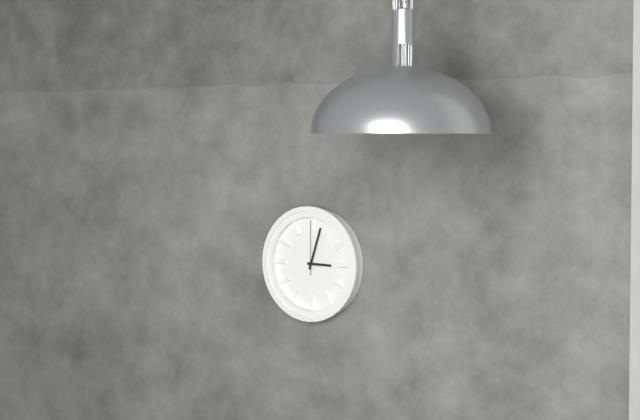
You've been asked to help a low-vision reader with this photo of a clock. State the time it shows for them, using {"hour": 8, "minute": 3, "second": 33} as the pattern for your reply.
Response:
{"hour": 3, "minute": 3, "second": 0}
